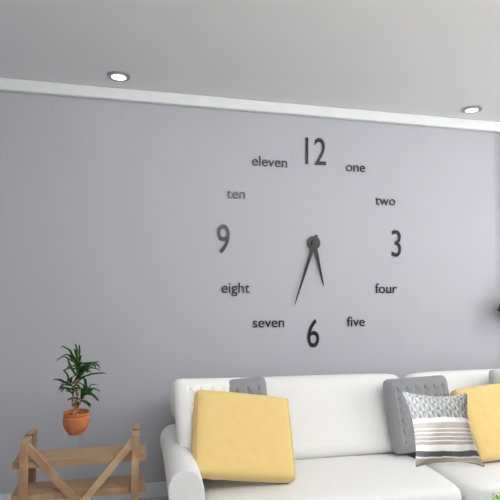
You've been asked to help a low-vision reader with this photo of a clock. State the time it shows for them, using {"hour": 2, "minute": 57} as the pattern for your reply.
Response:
{"hour": 5, "minute": 33}
